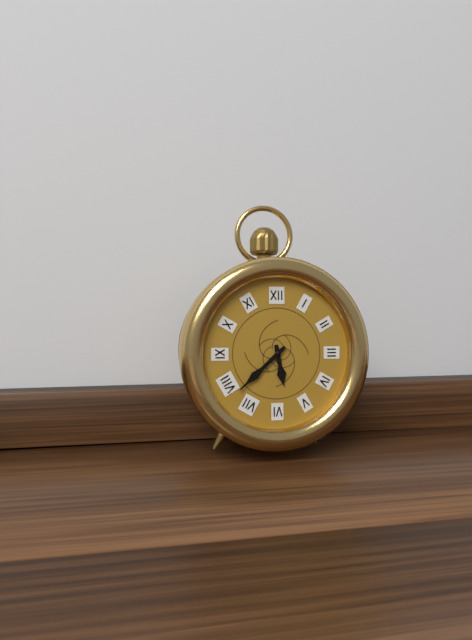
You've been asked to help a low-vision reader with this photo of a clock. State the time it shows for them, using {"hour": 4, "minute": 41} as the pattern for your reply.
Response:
{"hour": 5, "minute": 38}
